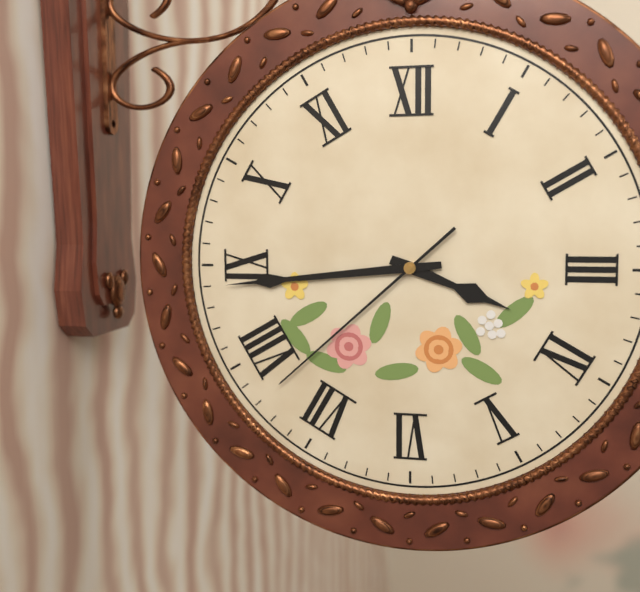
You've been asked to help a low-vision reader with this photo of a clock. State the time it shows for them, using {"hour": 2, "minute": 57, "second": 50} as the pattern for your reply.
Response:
{"hour": 3, "minute": 44, "second": 38}
